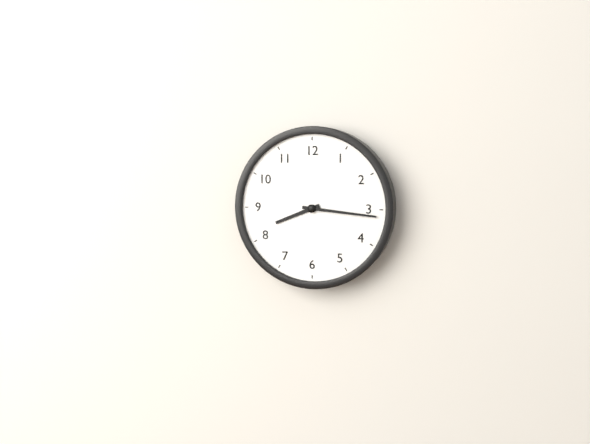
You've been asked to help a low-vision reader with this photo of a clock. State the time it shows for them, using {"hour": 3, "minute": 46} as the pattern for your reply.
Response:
{"hour": 8, "minute": 16}
